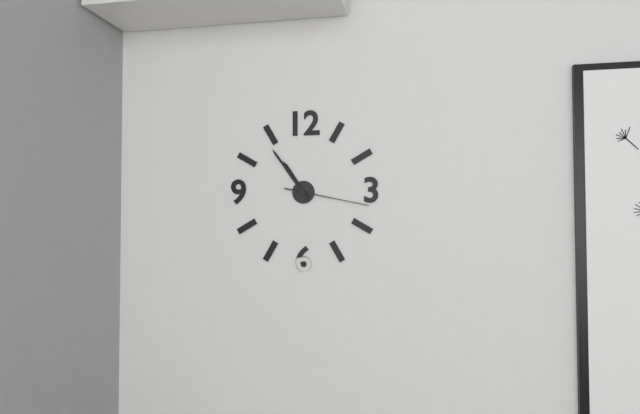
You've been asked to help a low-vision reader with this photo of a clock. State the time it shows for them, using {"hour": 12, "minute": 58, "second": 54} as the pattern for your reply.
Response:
{"hour": 10, "minute": 54, "second": 17}
